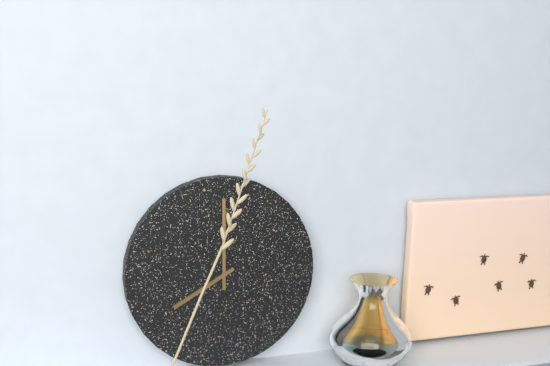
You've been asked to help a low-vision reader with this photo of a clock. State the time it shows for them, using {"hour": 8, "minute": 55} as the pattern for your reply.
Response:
{"hour": 8, "minute": 0}
